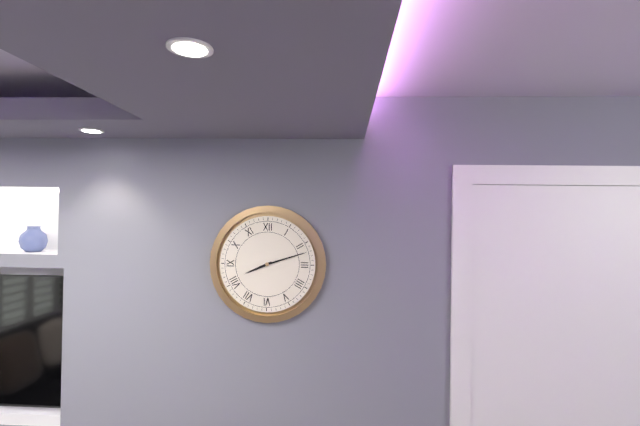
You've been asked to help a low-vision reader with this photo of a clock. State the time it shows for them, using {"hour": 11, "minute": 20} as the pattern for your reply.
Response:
{"hour": 8, "minute": 12}
